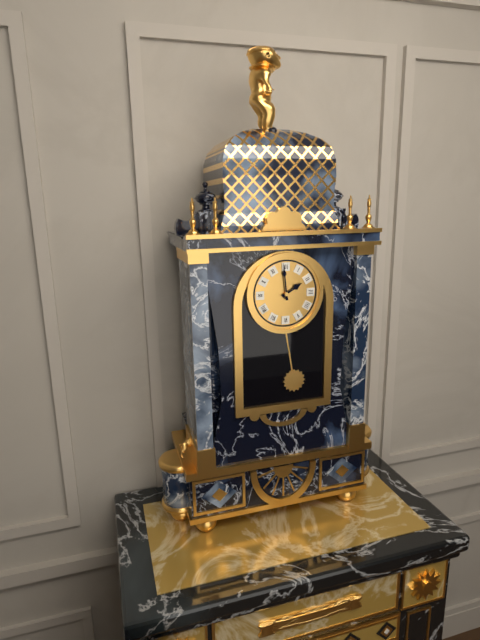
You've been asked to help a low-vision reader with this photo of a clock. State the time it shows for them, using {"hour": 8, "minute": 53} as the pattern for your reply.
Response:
{"hour": 1, "minute": 59}
